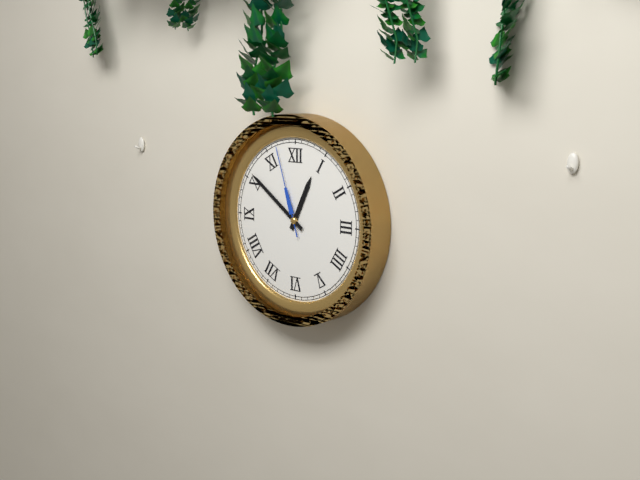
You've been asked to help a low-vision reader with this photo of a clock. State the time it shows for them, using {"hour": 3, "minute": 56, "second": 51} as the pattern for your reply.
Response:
{"hour": 12, "minute": 51, "second": 57}
